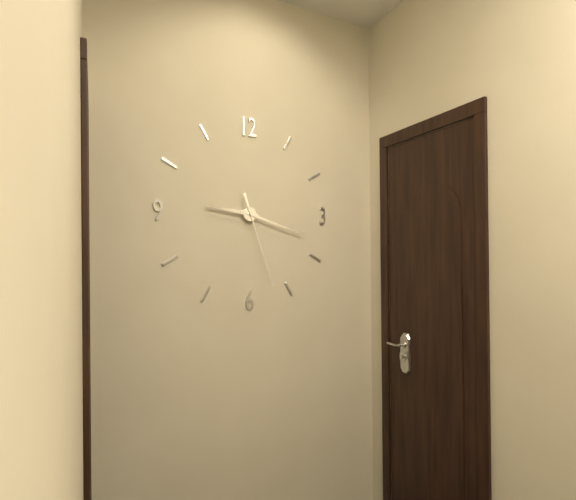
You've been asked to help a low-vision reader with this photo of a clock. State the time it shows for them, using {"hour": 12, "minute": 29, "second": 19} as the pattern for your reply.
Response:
{"hour": 9, "minute": 18, "second": 27}
